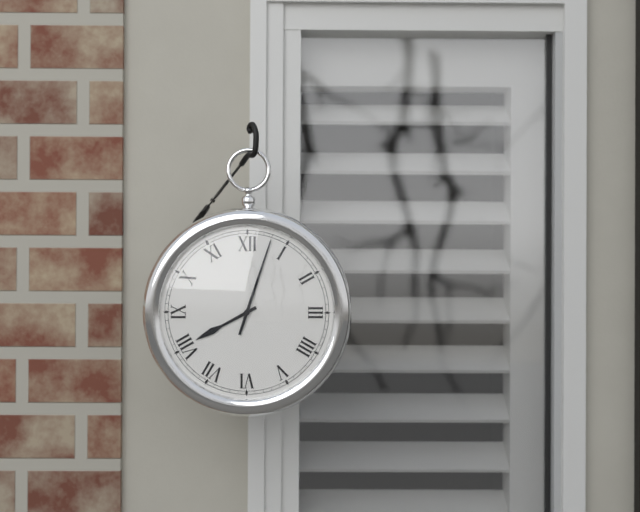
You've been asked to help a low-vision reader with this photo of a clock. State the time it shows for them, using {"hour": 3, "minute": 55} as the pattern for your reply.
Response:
{"hour": 8, "minute": 3}
